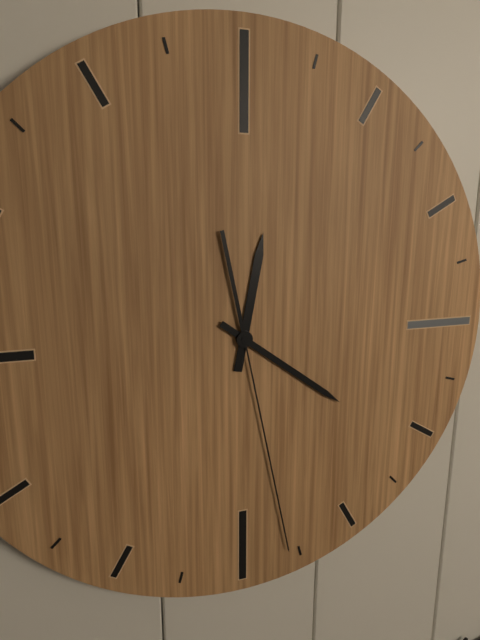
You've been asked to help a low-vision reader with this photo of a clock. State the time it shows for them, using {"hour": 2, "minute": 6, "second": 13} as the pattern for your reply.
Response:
{"hour": 12, "minute": 21, "second": 28}
